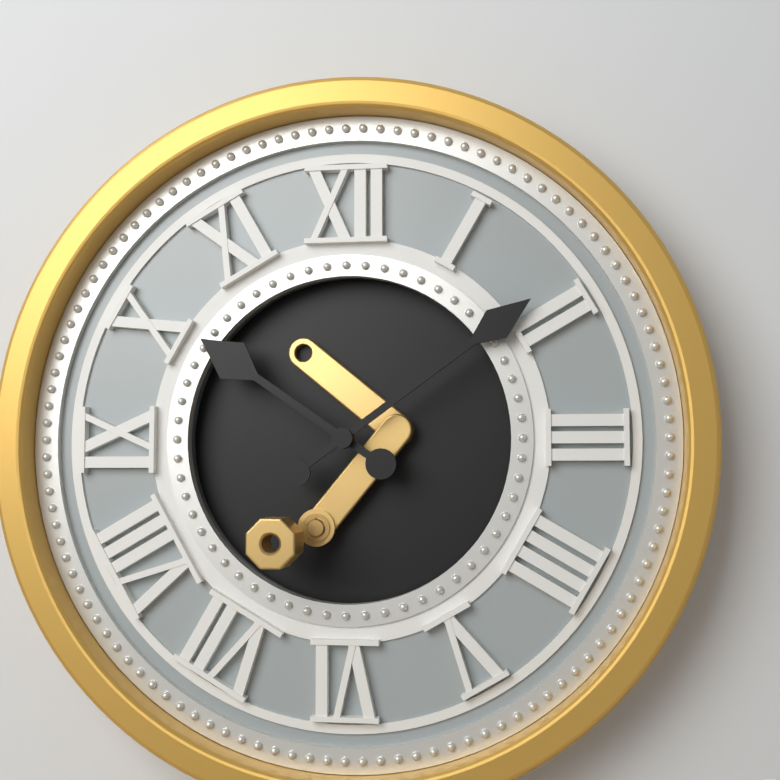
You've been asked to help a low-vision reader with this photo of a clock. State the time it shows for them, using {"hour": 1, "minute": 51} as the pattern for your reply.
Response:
{"hour": 10, "minute": 9}
